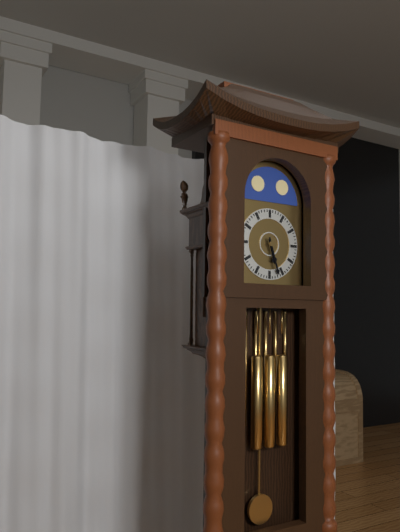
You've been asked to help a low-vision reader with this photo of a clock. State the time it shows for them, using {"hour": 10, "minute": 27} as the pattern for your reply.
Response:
{"hour": 5, "minute": 27}
